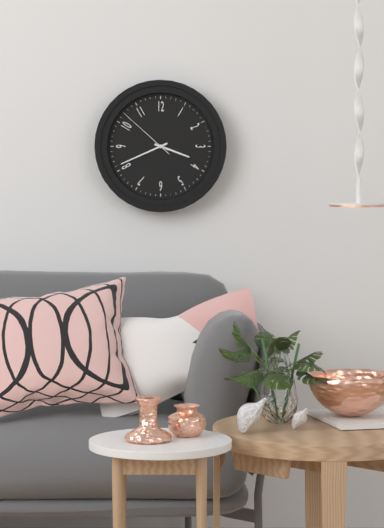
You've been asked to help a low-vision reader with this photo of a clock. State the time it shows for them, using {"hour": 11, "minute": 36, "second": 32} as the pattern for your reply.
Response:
{"hour": 3, "minute": 41, "second": 52}
